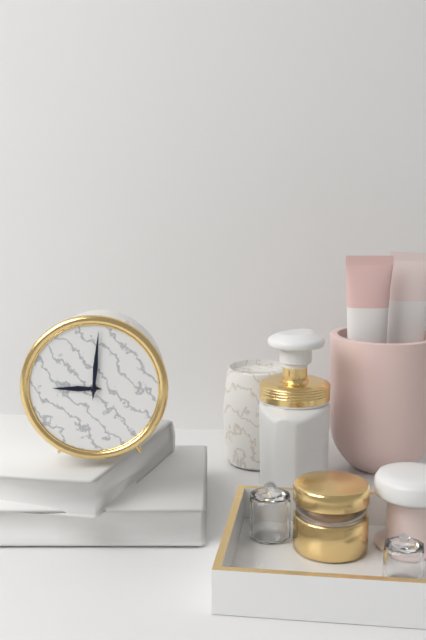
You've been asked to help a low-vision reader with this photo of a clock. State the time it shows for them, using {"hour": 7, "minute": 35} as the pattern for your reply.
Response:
{"hour": 9, "minute": 1}
